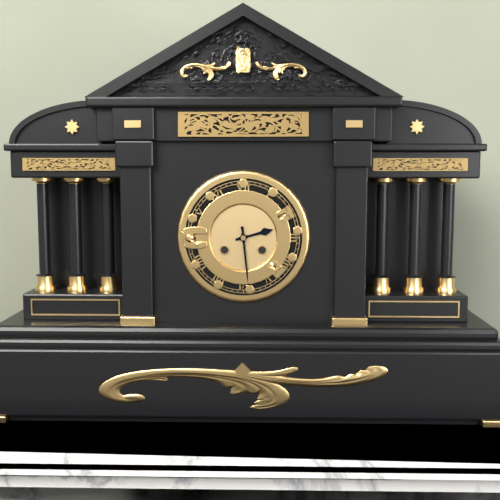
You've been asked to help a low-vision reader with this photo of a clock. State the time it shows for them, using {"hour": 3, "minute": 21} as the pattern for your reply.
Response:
{"hour": 2, "minute": 29}
